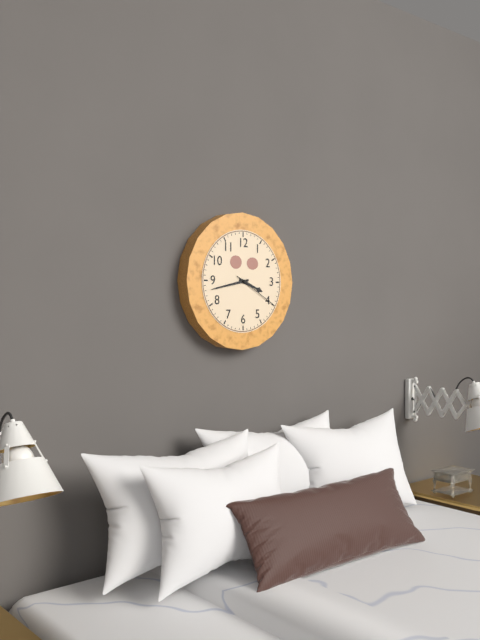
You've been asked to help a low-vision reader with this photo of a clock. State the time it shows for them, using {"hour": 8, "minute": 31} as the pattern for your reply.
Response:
{"hour": 3, "minute": 43}
